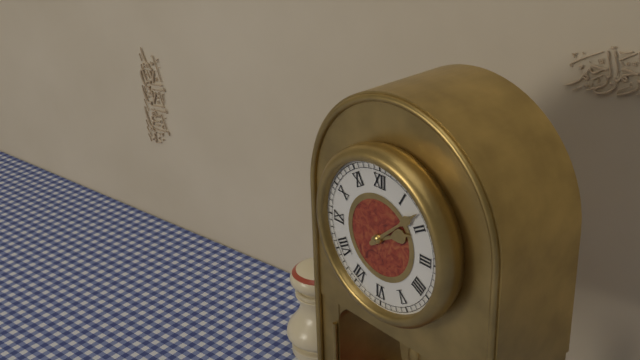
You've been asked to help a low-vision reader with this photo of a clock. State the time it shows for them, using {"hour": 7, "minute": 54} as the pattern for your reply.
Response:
{"hour": 2, "minute": 8}
